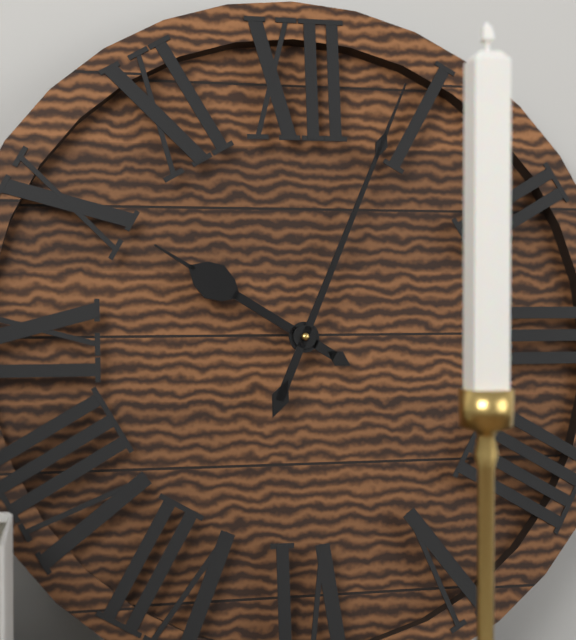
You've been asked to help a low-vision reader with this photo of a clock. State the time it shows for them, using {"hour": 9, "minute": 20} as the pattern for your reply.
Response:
{"hour": 10, "minute": 4}
